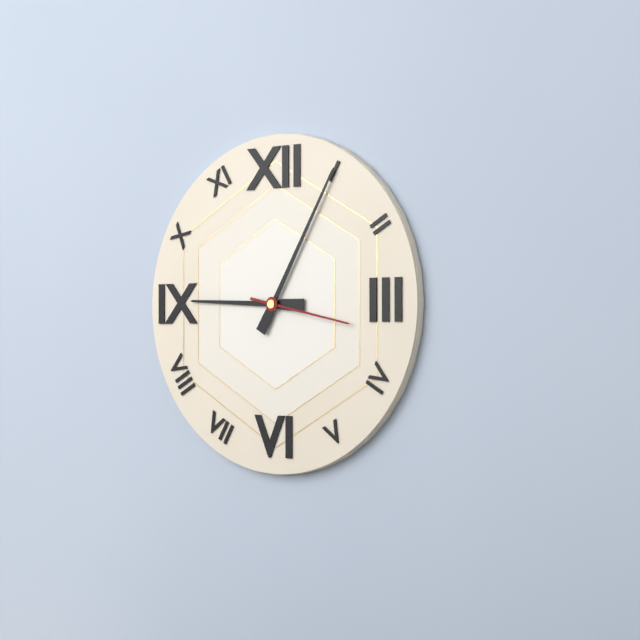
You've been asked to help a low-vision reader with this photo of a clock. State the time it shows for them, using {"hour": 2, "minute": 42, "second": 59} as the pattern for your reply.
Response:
{"hour": 9, "minute": 5, "second": 17}
